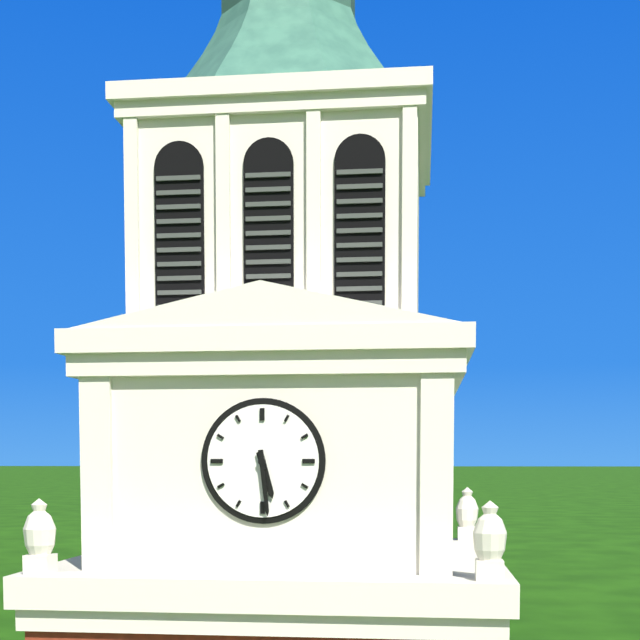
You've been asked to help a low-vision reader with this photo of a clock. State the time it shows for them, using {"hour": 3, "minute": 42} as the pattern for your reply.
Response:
{"hour": 5, "minute": 29}
